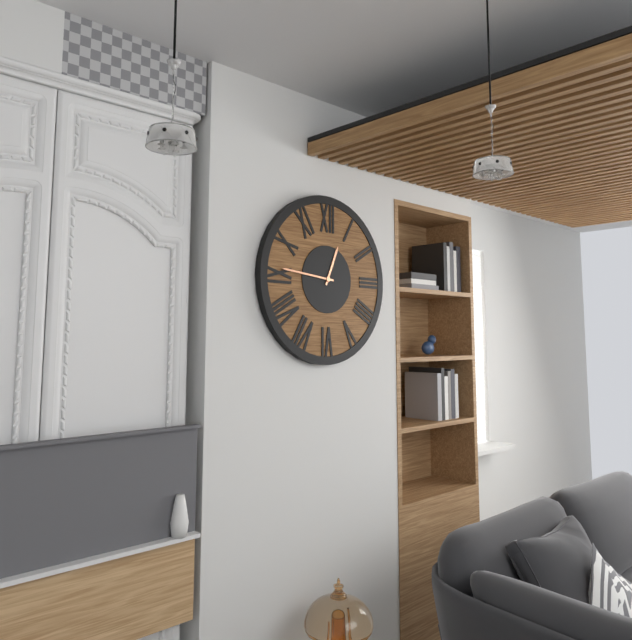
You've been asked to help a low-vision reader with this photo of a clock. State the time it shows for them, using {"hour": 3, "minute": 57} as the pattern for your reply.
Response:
{"hour": 12, "minute": 46}
